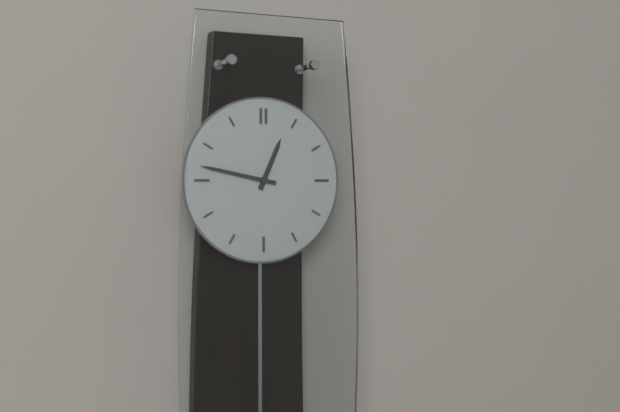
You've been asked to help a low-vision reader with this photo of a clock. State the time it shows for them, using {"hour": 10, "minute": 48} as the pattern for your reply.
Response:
{"hour": 12, "minute": 47}
